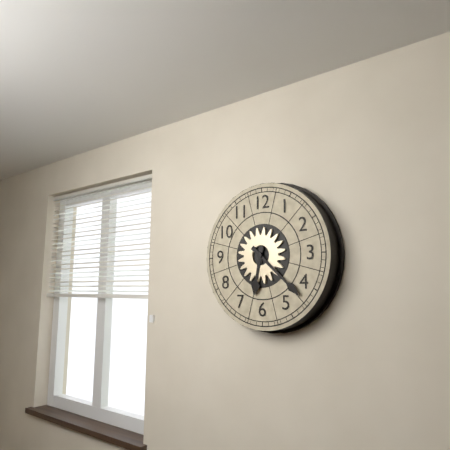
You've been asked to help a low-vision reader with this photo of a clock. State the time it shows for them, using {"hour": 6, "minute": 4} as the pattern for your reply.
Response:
{"hour": 6, "minute": 22}
